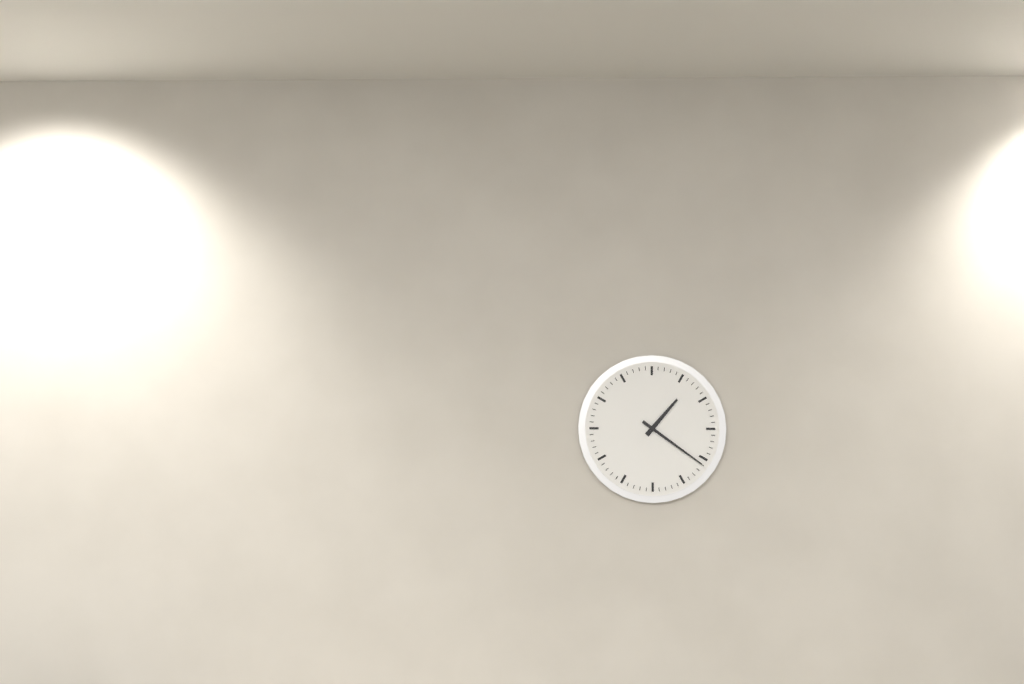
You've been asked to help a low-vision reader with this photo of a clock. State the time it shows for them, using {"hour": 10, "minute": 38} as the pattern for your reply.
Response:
{"hour": 1, "minute": 21}
